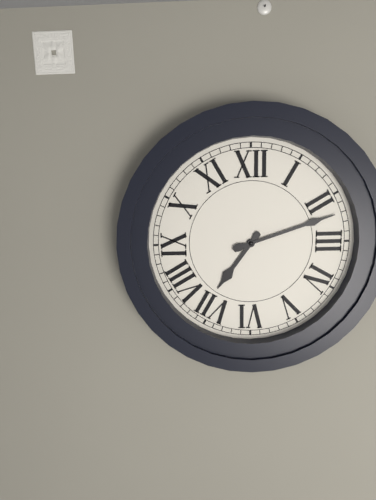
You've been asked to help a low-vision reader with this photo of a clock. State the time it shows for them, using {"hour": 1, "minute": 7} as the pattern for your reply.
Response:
{"hour": 7, "minute": 12}
